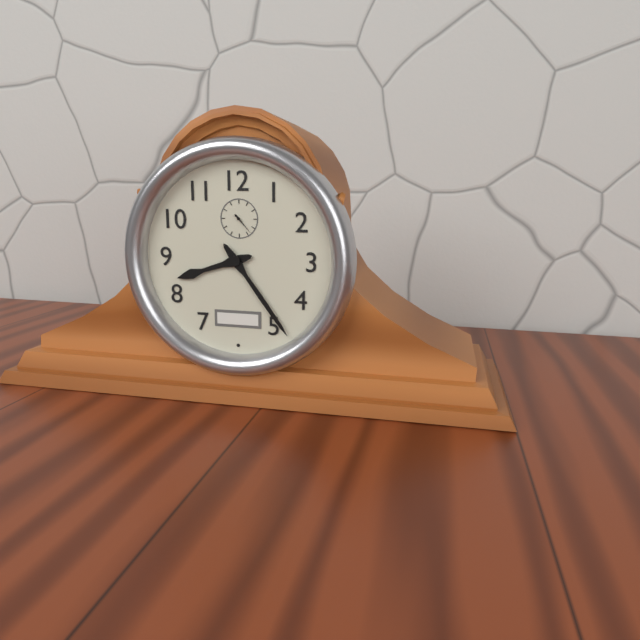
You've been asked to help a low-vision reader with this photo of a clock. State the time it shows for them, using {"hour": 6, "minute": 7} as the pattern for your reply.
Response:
{"hour": 8, "minute": 24}
